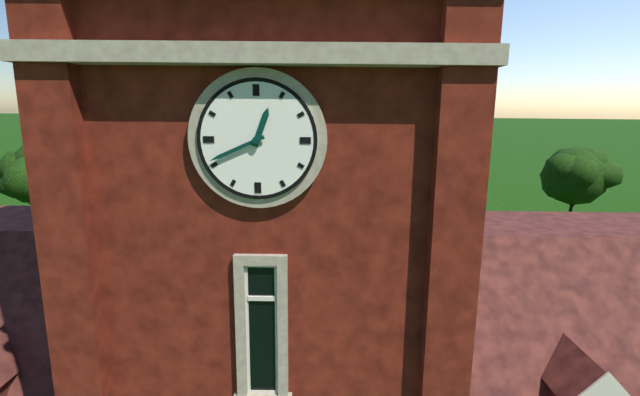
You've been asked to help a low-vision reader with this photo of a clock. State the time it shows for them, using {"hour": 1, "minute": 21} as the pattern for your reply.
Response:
{"hour": 12, "minute": 41}
